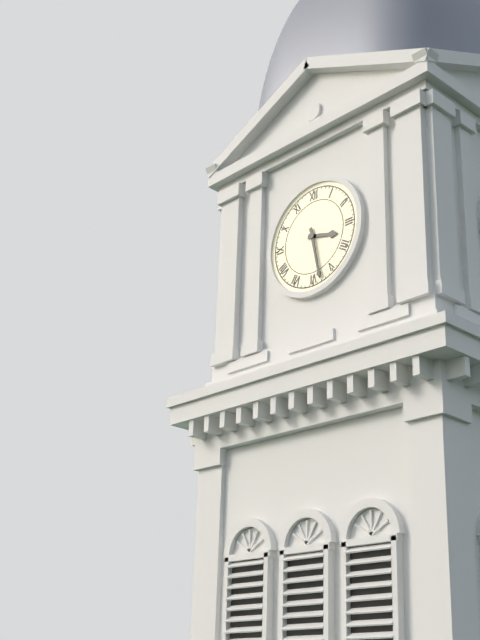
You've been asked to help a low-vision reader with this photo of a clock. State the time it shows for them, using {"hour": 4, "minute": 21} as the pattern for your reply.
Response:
{"hour": 3, "minute": 28}
